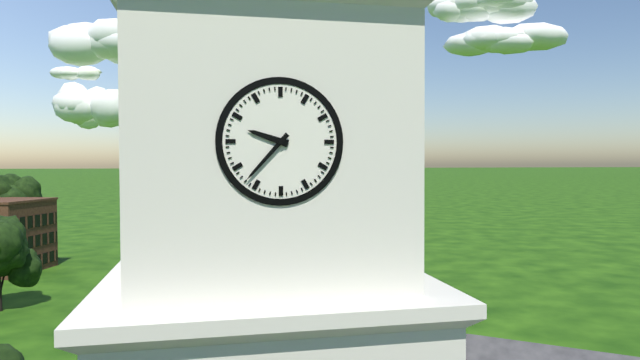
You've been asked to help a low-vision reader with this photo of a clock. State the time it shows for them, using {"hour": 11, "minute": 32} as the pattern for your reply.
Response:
{"hour": 9, "minute": 37}
